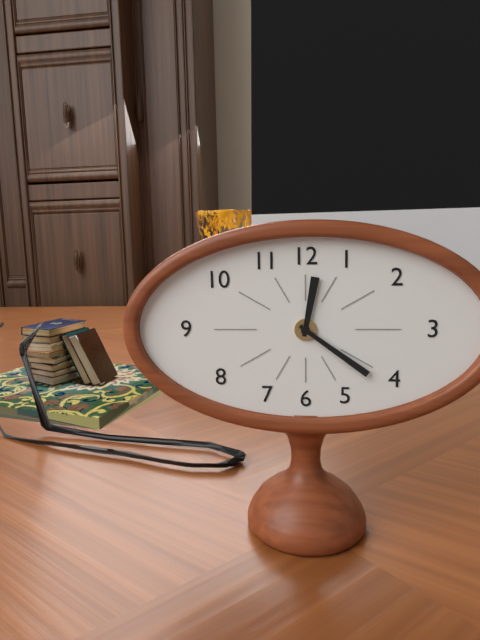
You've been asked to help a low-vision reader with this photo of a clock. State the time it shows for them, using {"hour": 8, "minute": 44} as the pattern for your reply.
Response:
{"hour": 12, "minute": 21}
